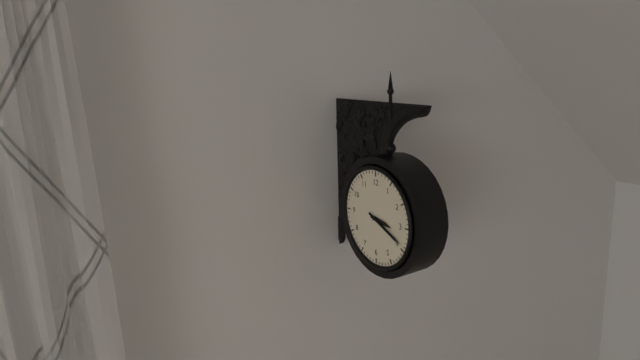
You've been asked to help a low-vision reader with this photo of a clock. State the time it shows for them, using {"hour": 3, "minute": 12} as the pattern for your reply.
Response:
{"hour": 3, "minute": 19}
